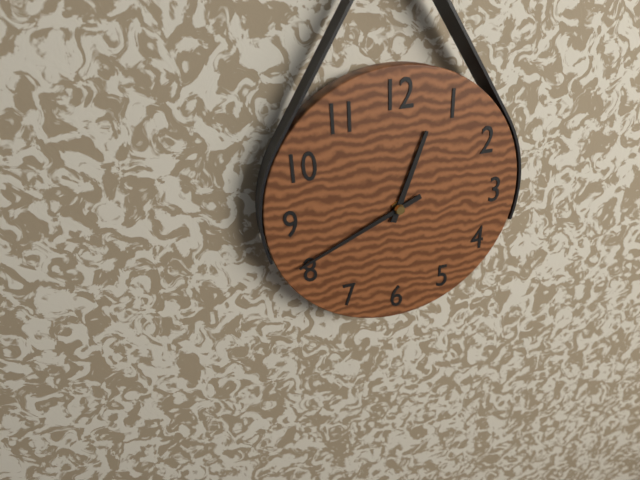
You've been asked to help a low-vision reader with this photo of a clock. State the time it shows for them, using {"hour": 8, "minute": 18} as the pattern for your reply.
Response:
{"hour": 12, "minute": 41}
